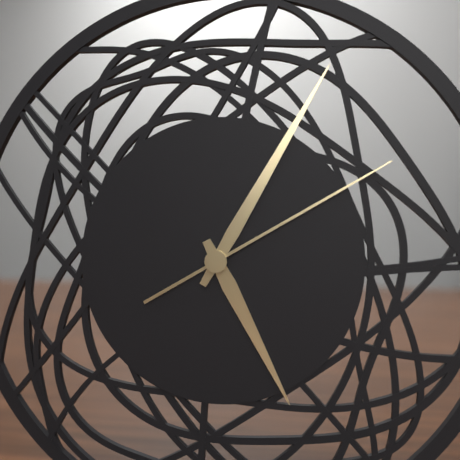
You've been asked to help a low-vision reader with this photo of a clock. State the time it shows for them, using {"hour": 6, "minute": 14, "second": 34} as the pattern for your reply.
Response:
{"hour": 5, "minute": 5, "second": 10}
